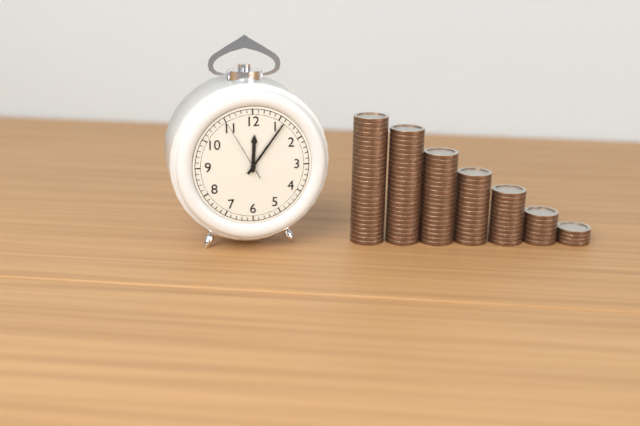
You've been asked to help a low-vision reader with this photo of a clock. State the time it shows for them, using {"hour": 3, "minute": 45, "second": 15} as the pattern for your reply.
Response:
{"hour": 12, "minute": 6, "second": 55}
